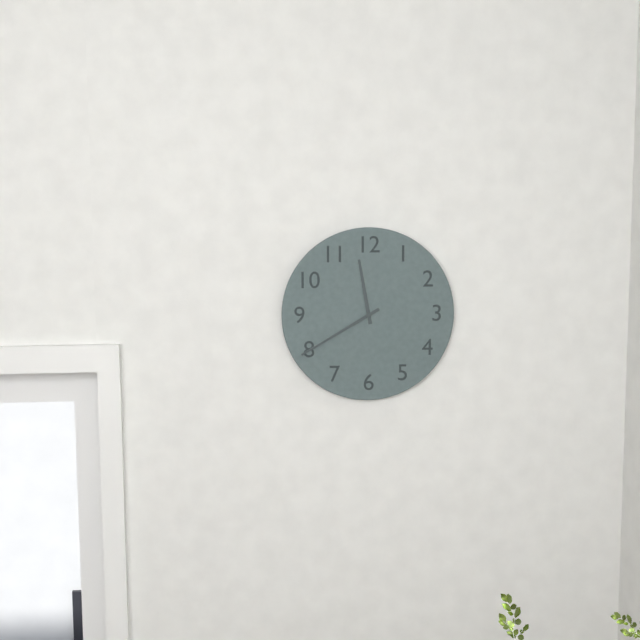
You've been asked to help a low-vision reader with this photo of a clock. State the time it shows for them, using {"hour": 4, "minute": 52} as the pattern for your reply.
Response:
{"hour": 11, "minute": 40}
